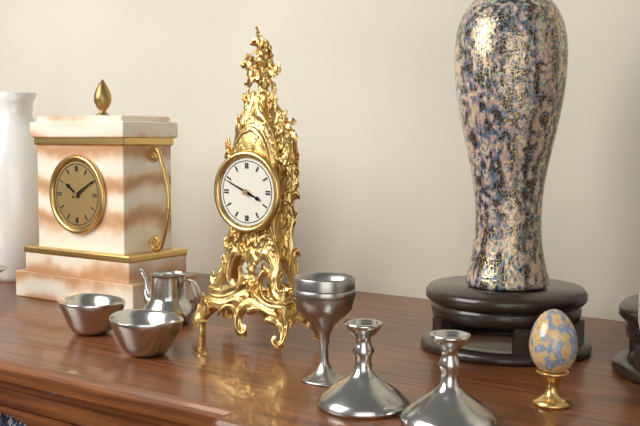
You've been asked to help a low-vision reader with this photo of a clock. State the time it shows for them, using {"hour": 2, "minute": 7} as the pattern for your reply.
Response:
{"hour": 3, "minute": 49}
